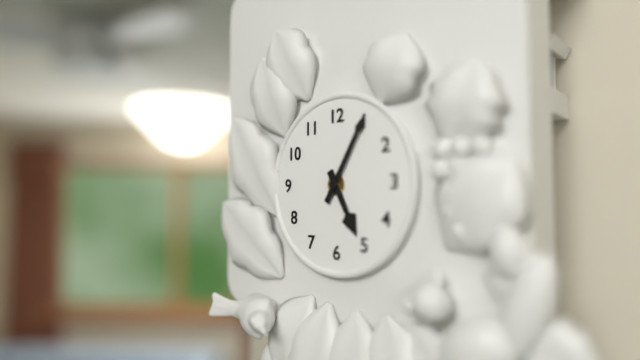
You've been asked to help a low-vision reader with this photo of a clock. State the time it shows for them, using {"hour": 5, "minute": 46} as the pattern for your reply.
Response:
{"hour": 5, "minute": 5}
